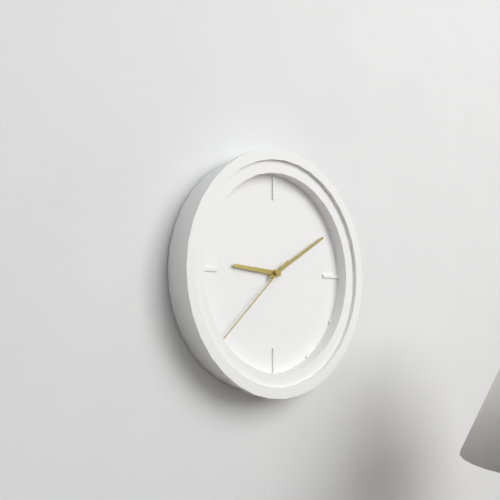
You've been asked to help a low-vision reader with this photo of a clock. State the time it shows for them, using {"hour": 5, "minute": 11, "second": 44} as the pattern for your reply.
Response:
{"hour": 9, "minute": 10, "second": 38}
